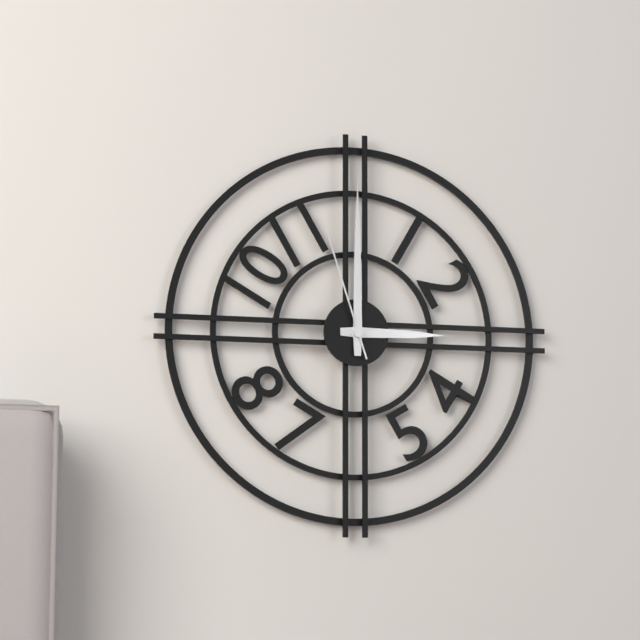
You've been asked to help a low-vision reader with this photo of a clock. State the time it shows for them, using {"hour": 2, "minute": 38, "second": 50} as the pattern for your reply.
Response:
{"hour": 3, "minute": 0, "second": 57}
